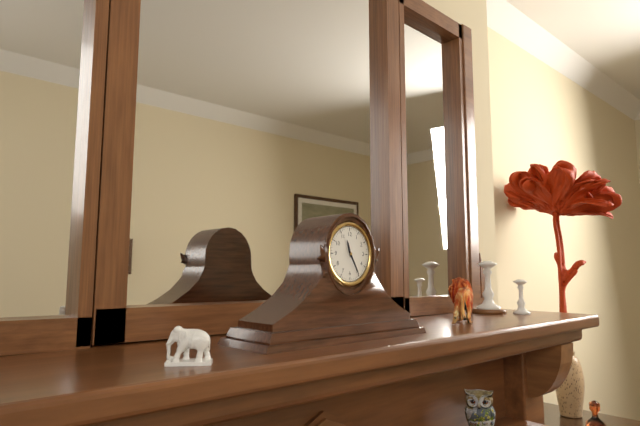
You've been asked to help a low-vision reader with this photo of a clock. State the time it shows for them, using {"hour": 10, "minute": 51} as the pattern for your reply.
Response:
{"hour": 11, "minute": 25}
